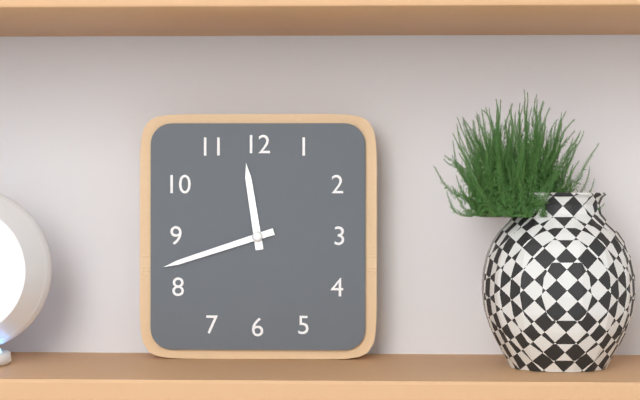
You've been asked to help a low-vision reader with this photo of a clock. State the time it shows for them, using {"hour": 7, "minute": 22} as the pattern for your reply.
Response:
{"hour": 11, "minute": 42}
